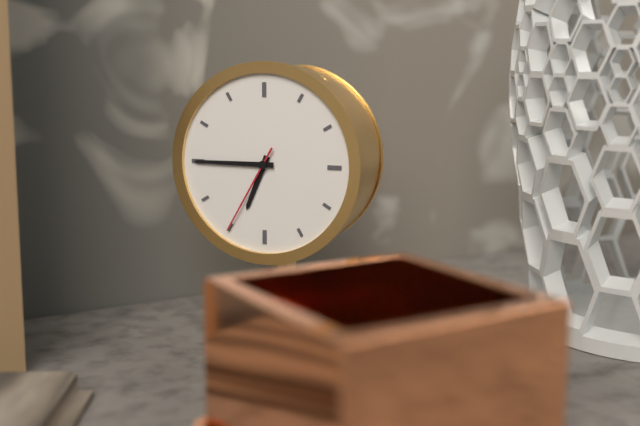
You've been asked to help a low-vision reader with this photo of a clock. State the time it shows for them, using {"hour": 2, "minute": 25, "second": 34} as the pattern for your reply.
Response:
{"hour": 6, "minute": 45, "second": 35}
